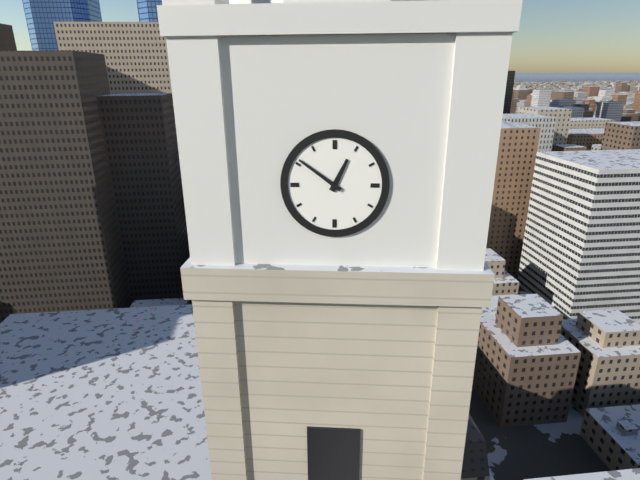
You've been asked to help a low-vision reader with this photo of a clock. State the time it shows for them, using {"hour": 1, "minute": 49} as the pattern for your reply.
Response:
{"hour": 12, "minute": 51}
